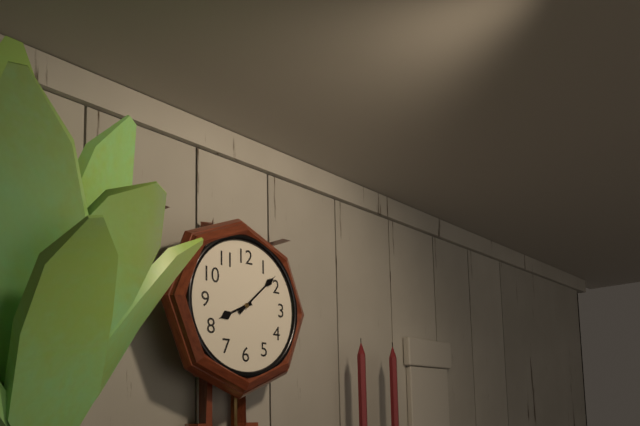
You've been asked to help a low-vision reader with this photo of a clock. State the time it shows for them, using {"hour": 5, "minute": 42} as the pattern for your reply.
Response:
{"hour": 8, "minute": 8}
